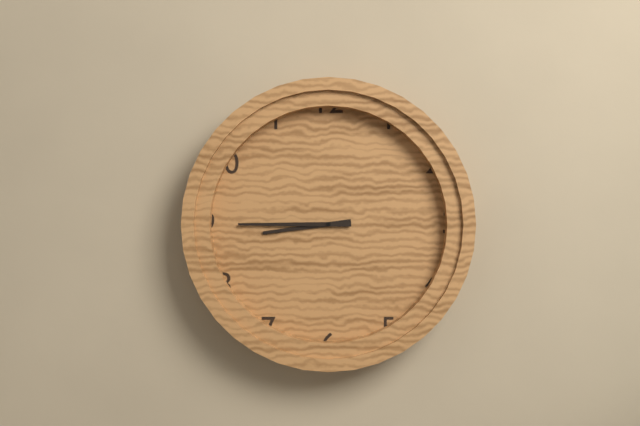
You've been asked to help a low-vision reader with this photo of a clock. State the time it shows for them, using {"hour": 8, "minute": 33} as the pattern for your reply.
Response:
{"hour": 8, "minute": 45}
